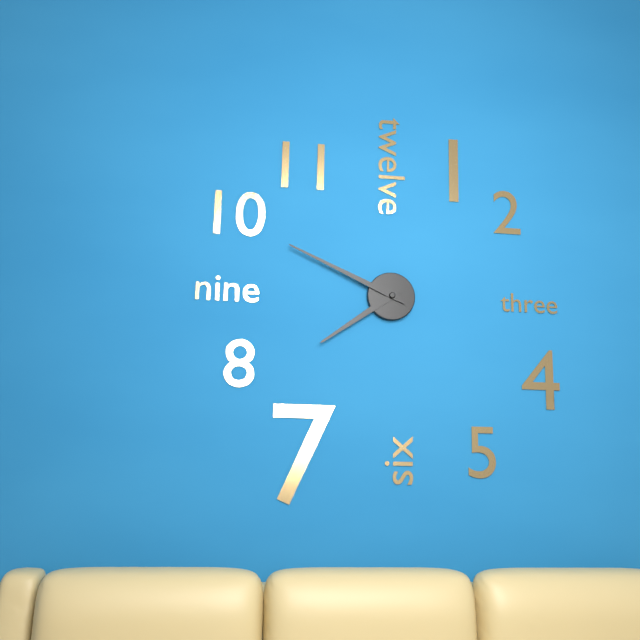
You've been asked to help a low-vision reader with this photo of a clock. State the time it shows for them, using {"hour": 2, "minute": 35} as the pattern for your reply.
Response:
{"hour": 7, "minute": 49}
